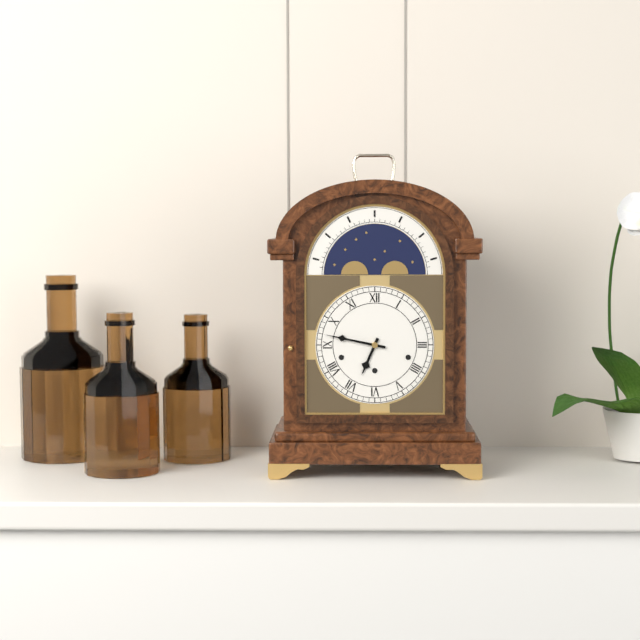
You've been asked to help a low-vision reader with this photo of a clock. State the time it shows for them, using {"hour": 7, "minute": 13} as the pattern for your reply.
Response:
{"hour": 6, "minute": 47}
